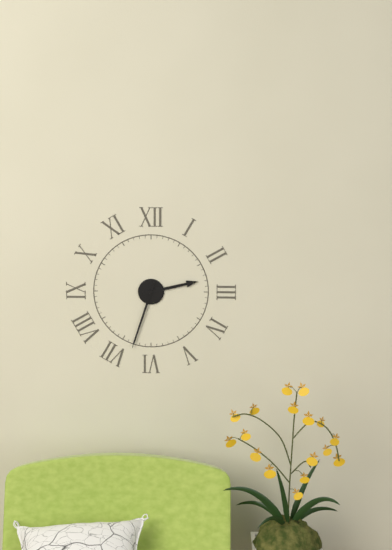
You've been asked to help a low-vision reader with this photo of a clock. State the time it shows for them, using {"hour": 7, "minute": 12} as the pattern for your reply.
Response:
{"hour": 2, "minute": 33}
